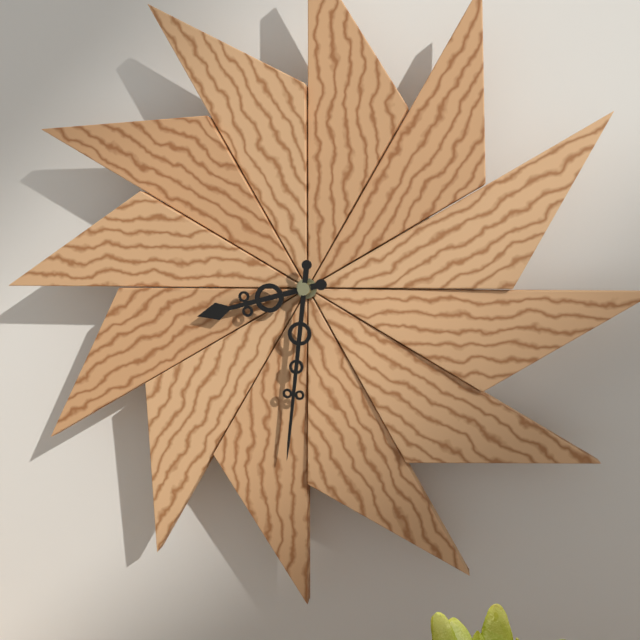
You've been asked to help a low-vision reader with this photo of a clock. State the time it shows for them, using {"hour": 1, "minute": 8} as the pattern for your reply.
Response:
{"hour": 8, "minute": 31}
